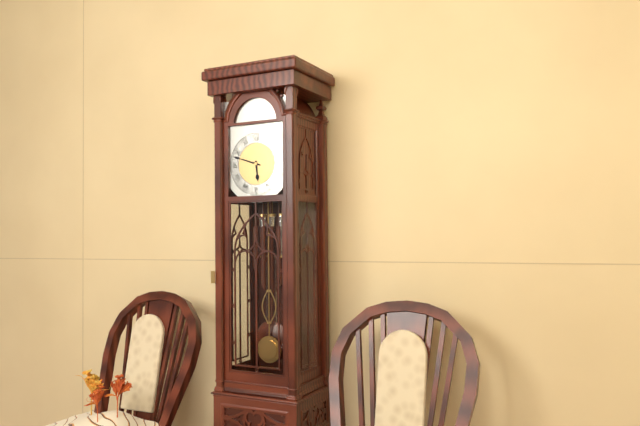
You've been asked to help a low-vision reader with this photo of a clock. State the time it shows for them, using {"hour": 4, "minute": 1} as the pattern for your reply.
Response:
{"hour": 5, "minute": 48}
